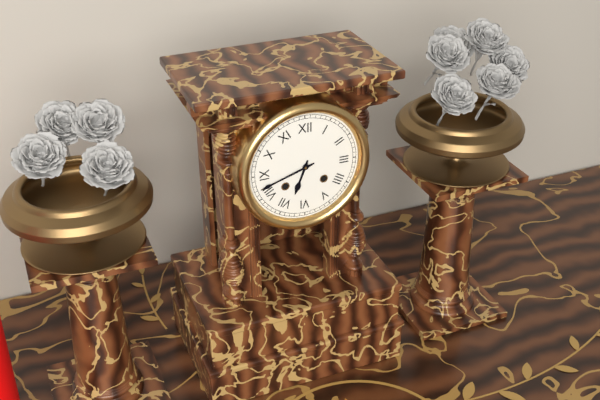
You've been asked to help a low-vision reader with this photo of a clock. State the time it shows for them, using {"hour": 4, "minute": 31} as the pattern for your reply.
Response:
{"hour": 6, "minute": 42}
